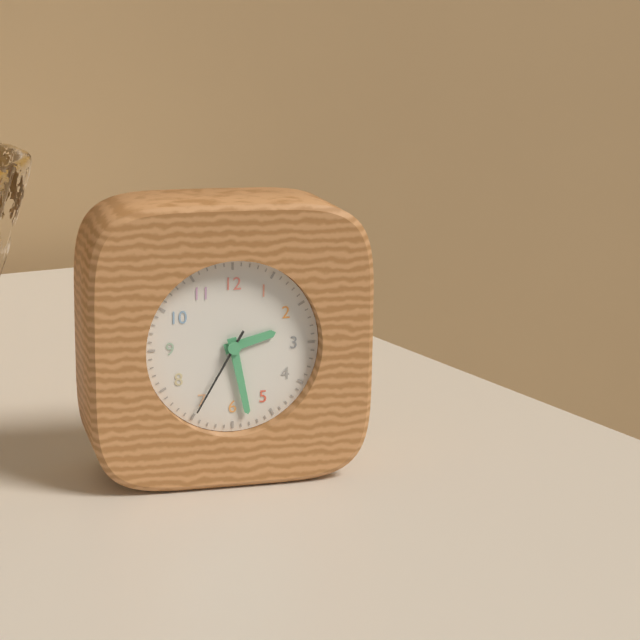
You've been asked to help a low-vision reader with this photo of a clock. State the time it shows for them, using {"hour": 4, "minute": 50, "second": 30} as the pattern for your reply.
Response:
{"hour": 2, "minute": 28, "second": 35}
